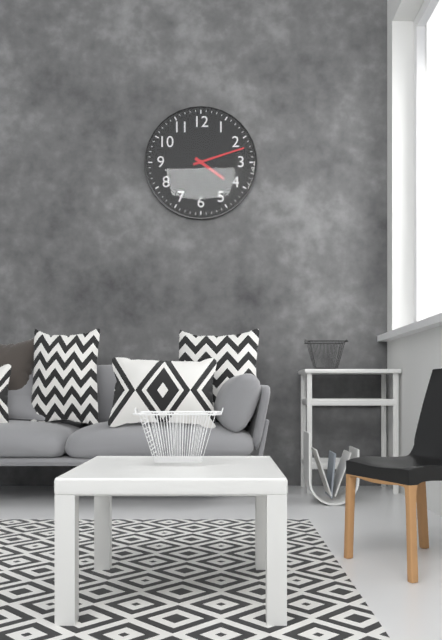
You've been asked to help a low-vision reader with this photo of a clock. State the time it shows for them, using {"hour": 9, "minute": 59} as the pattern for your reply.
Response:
{"hour": 4, "minute": 12}
